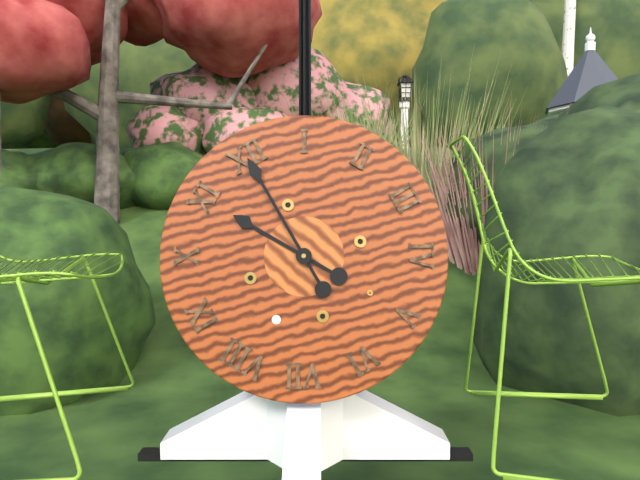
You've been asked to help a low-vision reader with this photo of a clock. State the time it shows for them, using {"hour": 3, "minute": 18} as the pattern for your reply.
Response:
{"hour": 11, "minute": 0}
